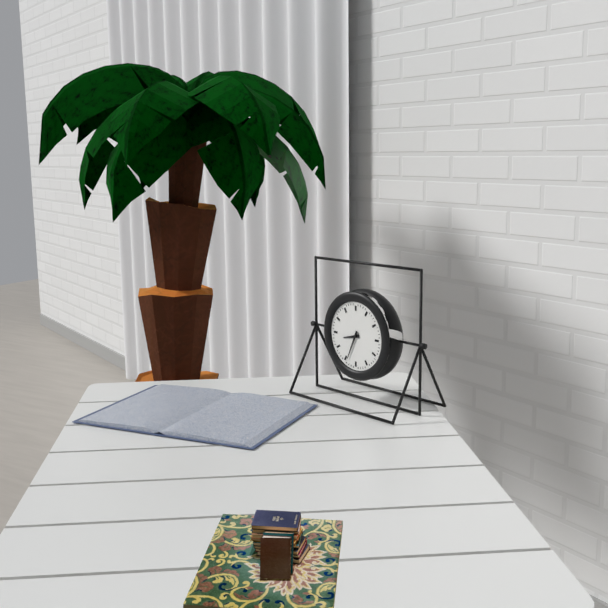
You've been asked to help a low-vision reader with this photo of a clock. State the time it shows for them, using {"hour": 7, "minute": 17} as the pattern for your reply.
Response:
{"hour": 8, "minute": 34}
